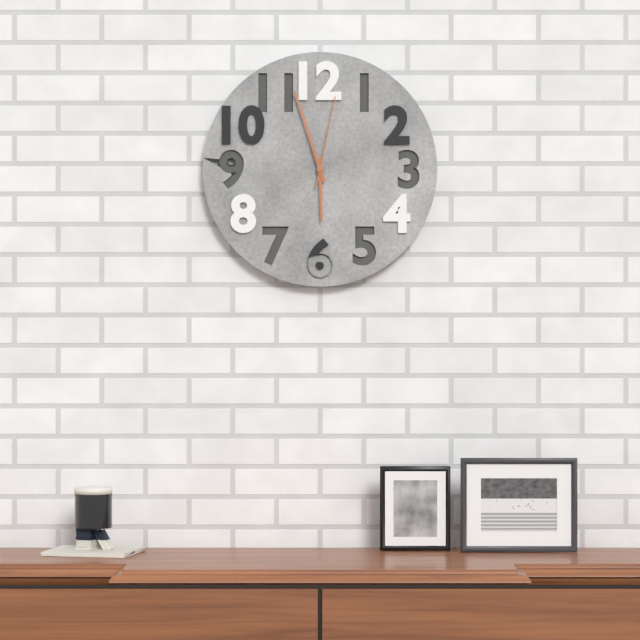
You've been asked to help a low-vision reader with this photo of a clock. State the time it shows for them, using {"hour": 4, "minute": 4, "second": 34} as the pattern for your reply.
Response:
{"hour": 5, "minute": 57, "second": 2}
